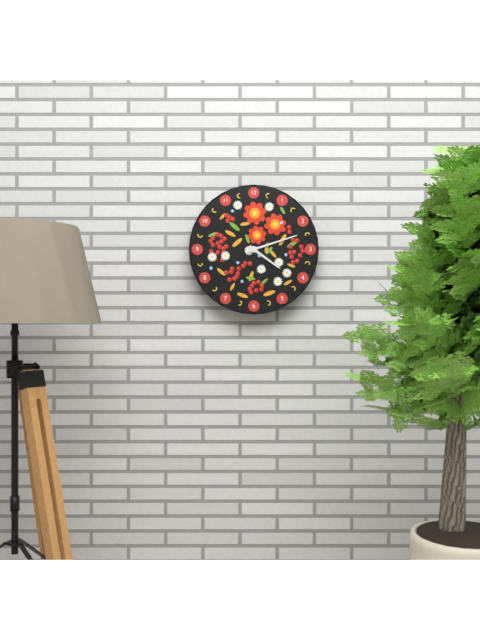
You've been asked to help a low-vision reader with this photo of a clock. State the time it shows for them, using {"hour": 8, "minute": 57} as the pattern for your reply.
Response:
{"hour": 4, "minute": 12}
